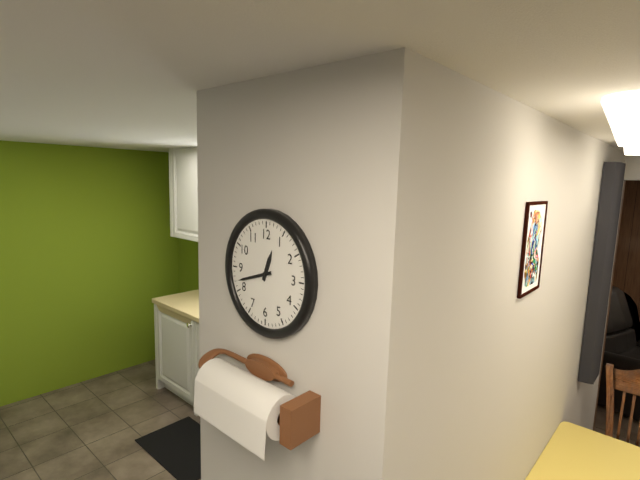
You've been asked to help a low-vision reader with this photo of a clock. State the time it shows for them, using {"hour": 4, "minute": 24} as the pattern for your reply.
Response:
{"hour": 12, "minute": 42}
